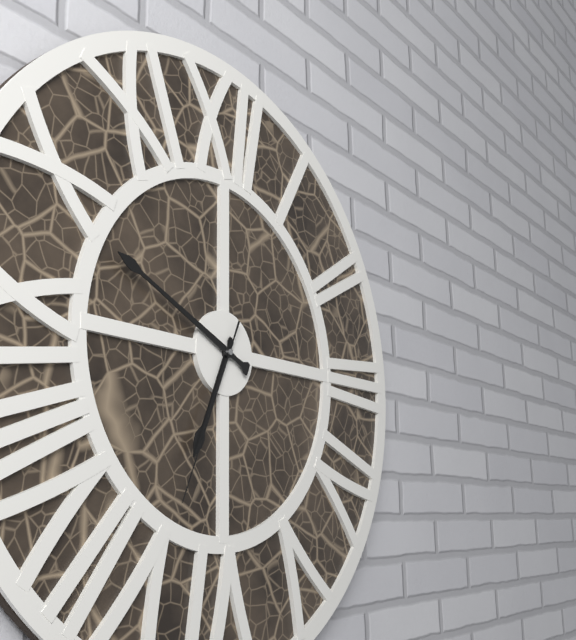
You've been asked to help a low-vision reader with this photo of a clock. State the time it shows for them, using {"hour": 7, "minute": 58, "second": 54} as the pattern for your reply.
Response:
{"hour": 6, "minute": 49, "second": 34}
